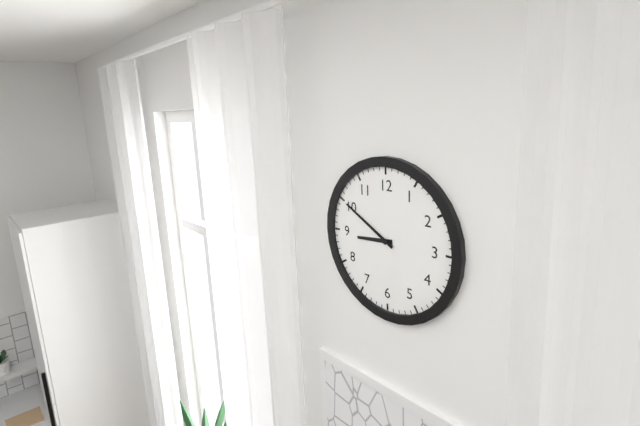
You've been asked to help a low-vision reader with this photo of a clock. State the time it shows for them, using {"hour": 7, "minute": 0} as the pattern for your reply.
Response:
{"hour": 8, "minute": 50}
